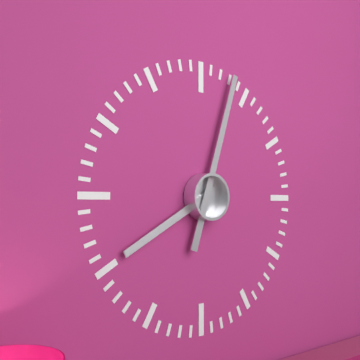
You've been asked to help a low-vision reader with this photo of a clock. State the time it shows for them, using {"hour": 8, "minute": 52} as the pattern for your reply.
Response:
{"hour": 8, "minute": 3}
